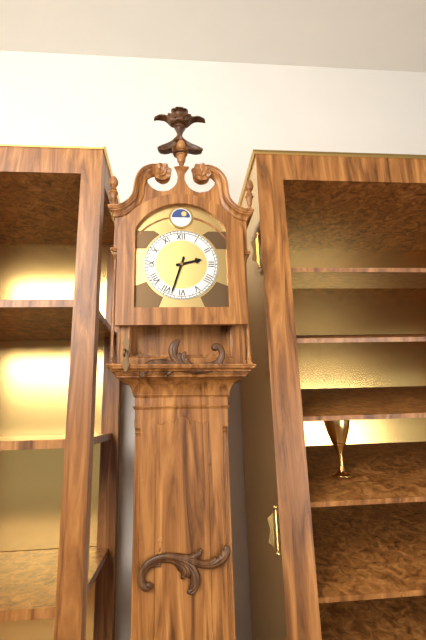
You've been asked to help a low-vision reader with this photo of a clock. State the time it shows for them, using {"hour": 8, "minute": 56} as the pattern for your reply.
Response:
{"hour": 2, "minute": 33}
